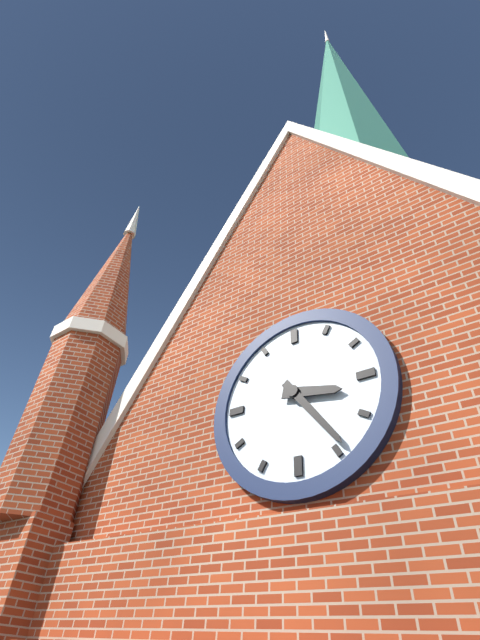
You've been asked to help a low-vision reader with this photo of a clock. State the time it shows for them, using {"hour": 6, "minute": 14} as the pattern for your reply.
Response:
{"hour": 3, "minute": 24}
